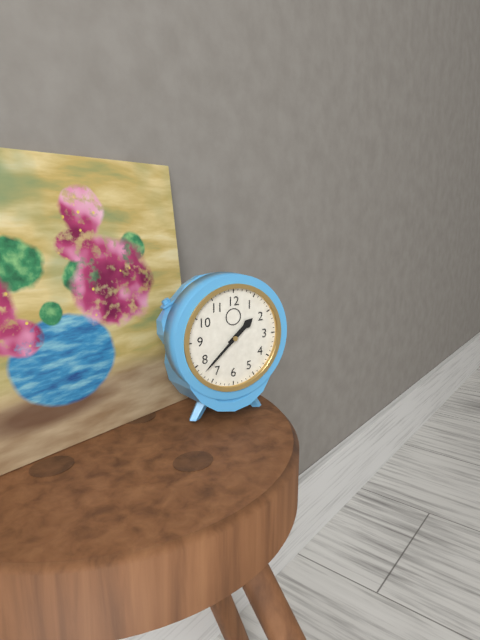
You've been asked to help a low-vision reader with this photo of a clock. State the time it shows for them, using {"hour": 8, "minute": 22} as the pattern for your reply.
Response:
{"hour": 1, "minute": 38}
